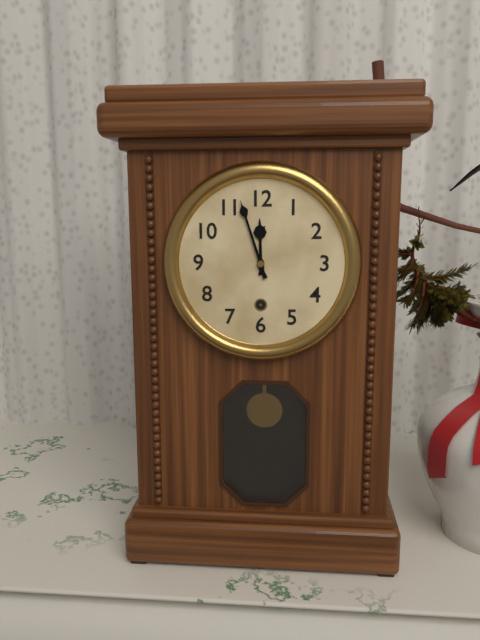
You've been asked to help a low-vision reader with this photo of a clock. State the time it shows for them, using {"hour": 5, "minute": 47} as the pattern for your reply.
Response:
{"hour": 11, "minute": 57}
